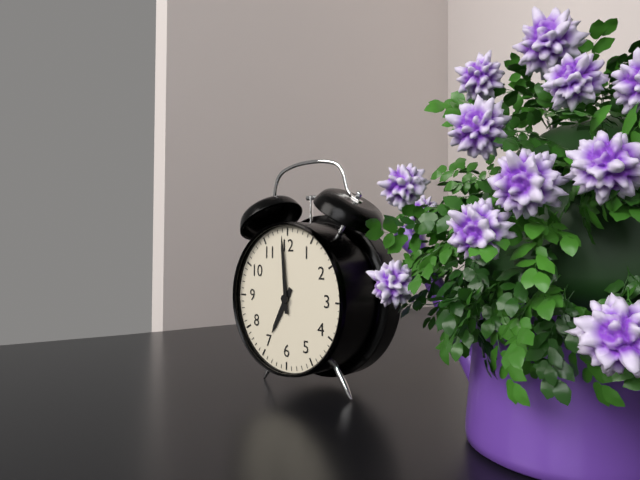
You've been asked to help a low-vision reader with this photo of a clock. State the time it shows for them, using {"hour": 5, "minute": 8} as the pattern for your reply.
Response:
{"hour": 6, "minute": 59}
